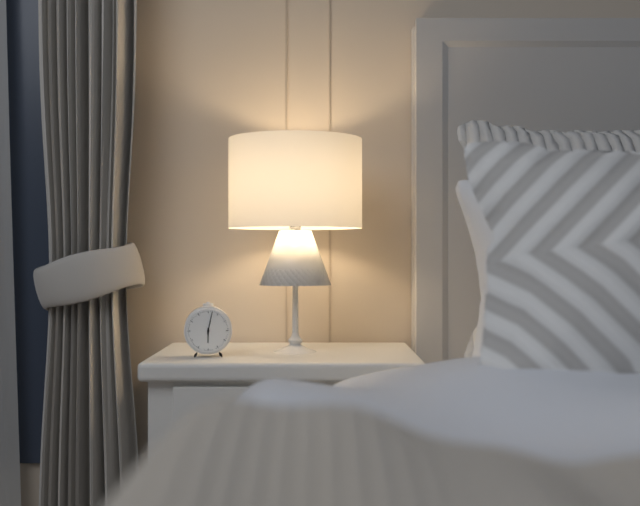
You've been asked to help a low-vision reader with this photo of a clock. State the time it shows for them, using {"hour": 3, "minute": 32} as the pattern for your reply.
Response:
{"hour": 6, "minute": 2}
